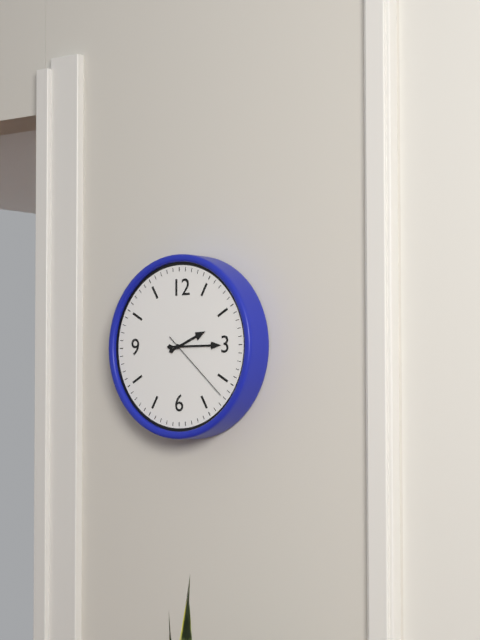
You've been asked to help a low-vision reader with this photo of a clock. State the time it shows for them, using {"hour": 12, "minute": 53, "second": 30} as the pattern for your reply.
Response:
{"hour": 2, "minute": 15, "second": 22}
